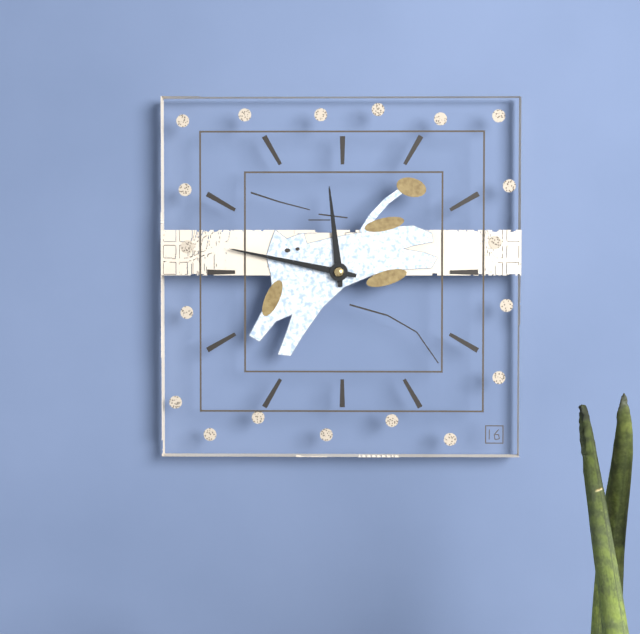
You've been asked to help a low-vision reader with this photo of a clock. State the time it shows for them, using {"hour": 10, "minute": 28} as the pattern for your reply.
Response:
{"hour": 11, "minute": 47}
